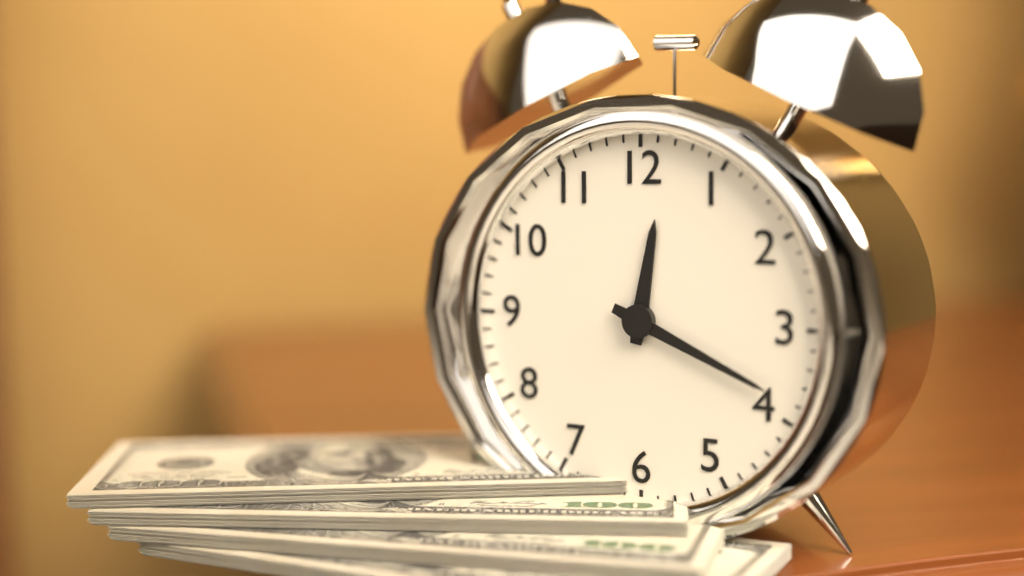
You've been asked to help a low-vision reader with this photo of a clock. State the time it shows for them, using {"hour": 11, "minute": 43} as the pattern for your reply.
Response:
{"hour": 12, "minute": 19}
